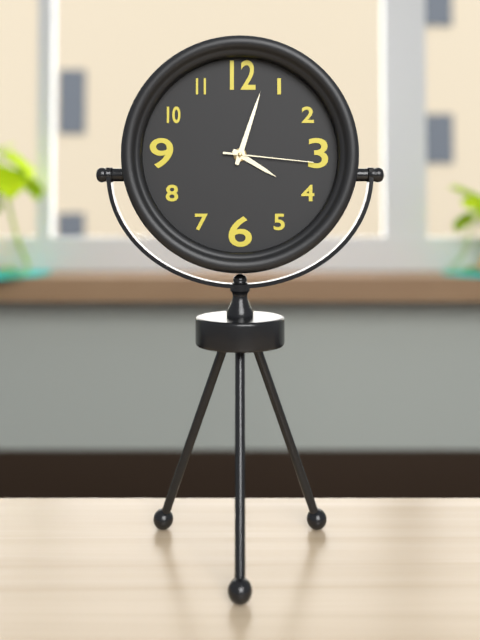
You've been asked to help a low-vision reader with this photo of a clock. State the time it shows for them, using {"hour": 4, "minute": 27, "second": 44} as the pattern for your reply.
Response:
{"hour": 4, "minute": 3, "second": 16}
